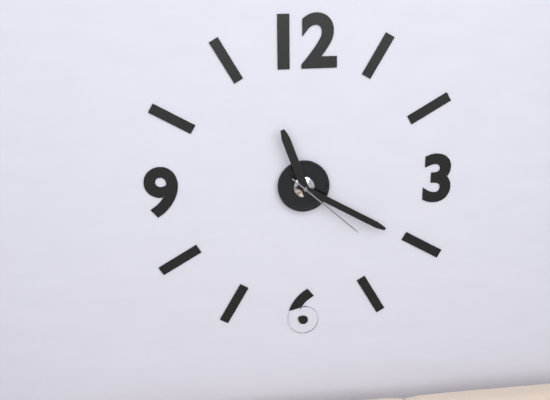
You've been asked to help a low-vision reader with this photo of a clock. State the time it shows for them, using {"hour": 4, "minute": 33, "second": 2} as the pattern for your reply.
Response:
{"hour": 11, "minute": 20, "second": 22}
